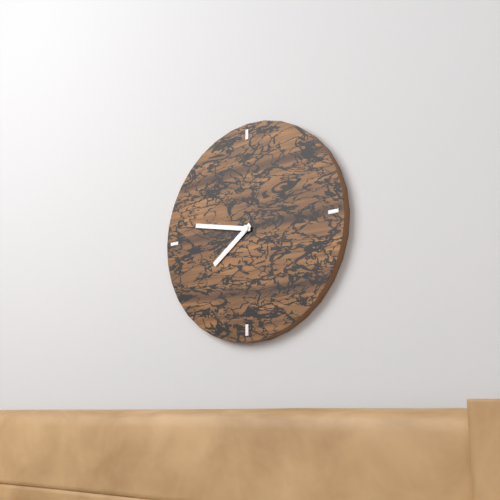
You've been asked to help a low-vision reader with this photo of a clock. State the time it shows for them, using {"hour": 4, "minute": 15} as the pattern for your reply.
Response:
{"hour": 7, "minute": 47}
